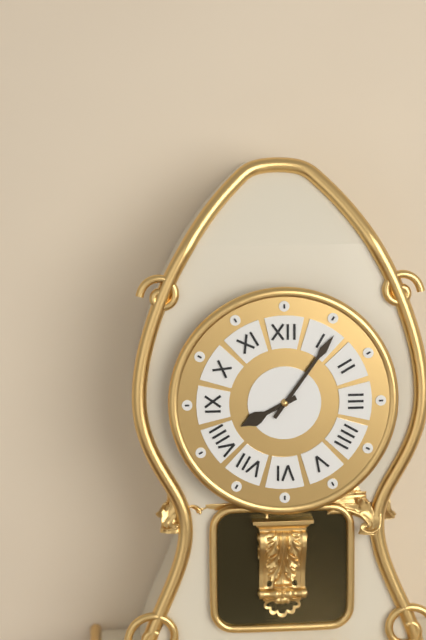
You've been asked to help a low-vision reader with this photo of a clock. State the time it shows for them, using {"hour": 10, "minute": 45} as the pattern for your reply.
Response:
{"hour": 8, "minute": 6}
